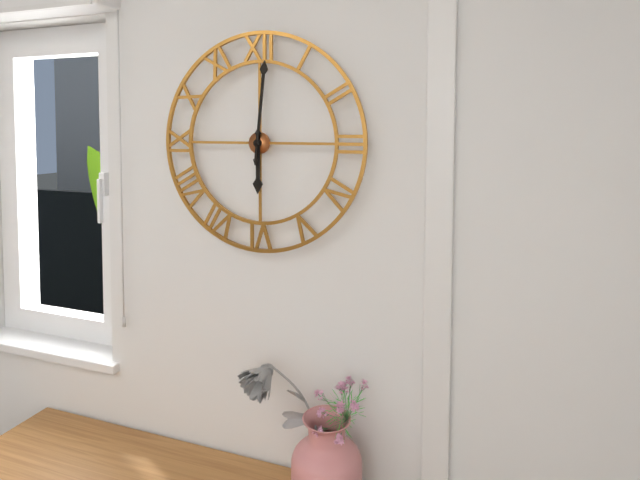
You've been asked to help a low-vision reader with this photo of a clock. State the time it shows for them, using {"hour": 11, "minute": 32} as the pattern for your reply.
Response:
{"hour": 6, "minute": 1}
